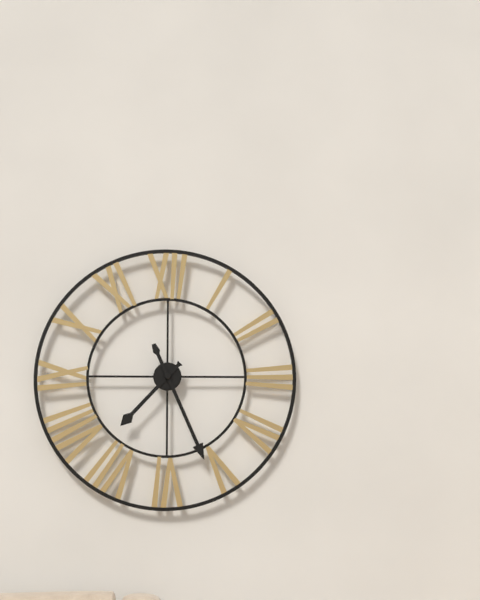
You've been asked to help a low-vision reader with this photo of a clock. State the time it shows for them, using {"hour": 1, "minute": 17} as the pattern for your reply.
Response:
{"hour": 7, "minute": 26}
